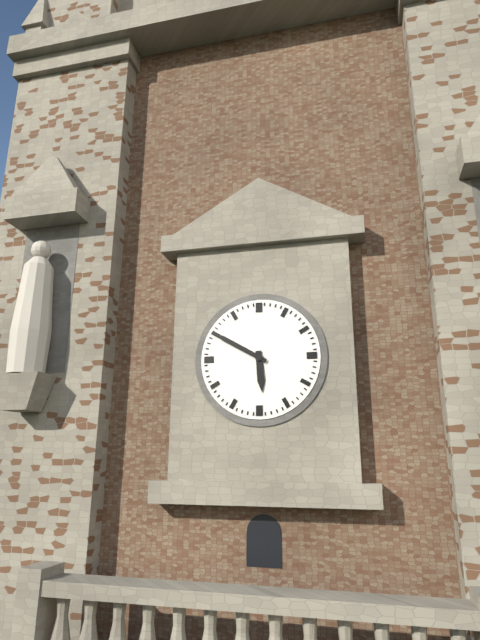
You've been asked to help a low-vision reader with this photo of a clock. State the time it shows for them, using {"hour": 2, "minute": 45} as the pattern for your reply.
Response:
{"hour": 5, "minute": 50}
